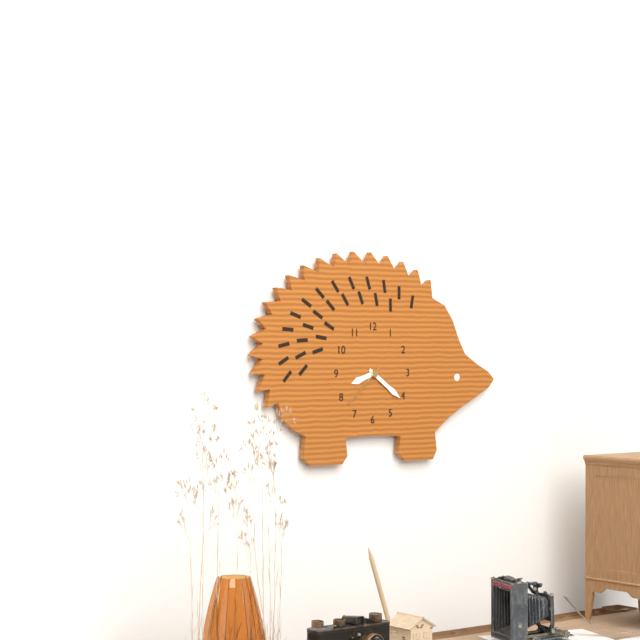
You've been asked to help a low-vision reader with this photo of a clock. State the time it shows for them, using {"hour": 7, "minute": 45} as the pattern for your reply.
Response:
{"hour": 8, "minute": 21}
